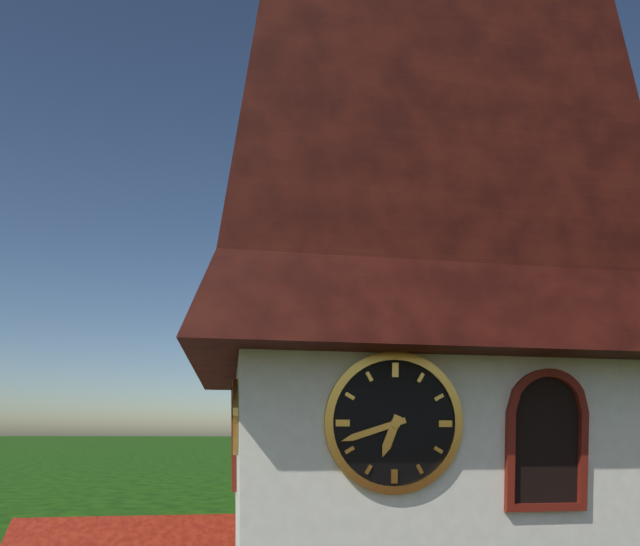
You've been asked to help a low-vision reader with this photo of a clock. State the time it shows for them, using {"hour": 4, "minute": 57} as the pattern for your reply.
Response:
{"hour": 6, "minute": 42}
